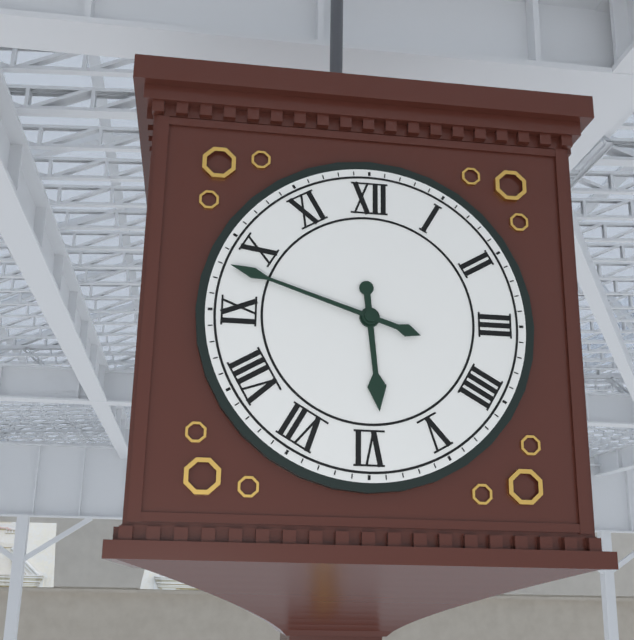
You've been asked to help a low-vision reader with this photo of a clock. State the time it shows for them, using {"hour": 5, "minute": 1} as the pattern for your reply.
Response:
{"hour": 5, "minute": 48}
